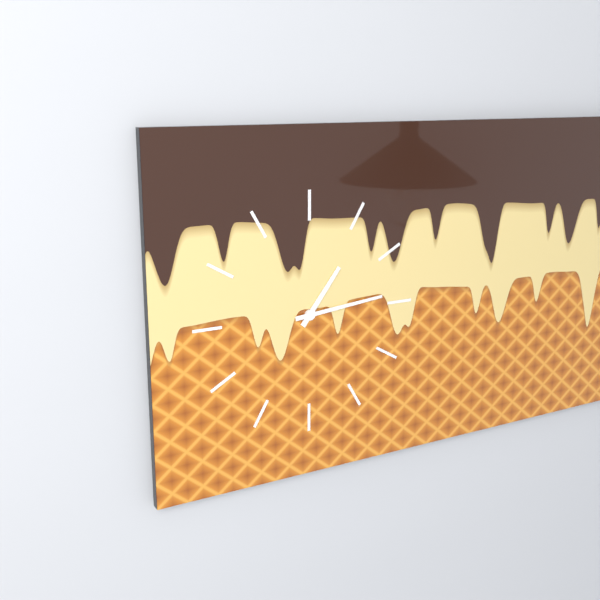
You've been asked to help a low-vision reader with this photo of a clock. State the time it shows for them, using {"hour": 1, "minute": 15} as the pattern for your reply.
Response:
{"hour": 1, "minute": 14}
